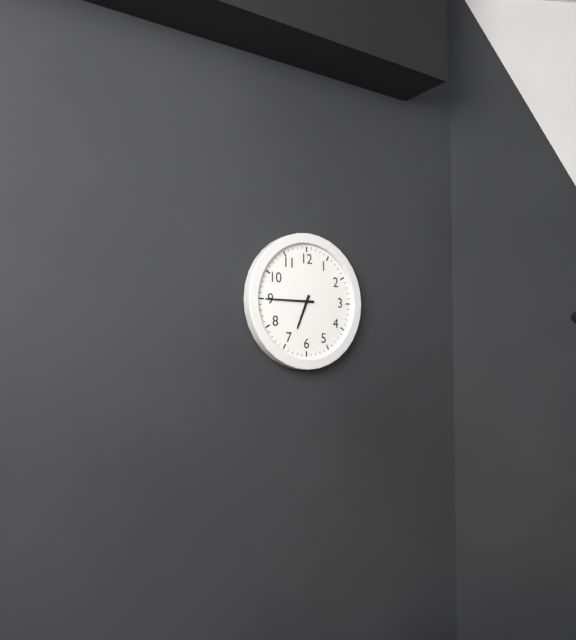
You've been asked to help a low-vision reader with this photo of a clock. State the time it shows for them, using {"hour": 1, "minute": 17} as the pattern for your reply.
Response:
{"hour": 6, "minute": 45}
